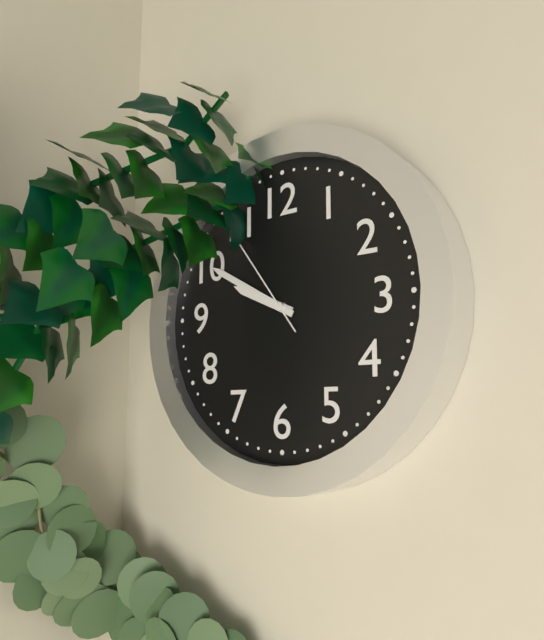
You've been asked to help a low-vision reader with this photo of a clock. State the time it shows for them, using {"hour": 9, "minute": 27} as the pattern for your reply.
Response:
{"hour": 9, "minute": 50}
